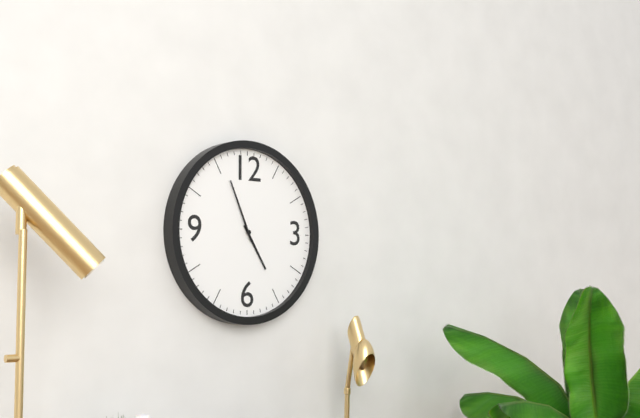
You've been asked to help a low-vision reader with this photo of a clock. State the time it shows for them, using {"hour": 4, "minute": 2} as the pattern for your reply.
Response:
{"hour": 4, "minute": 56}
